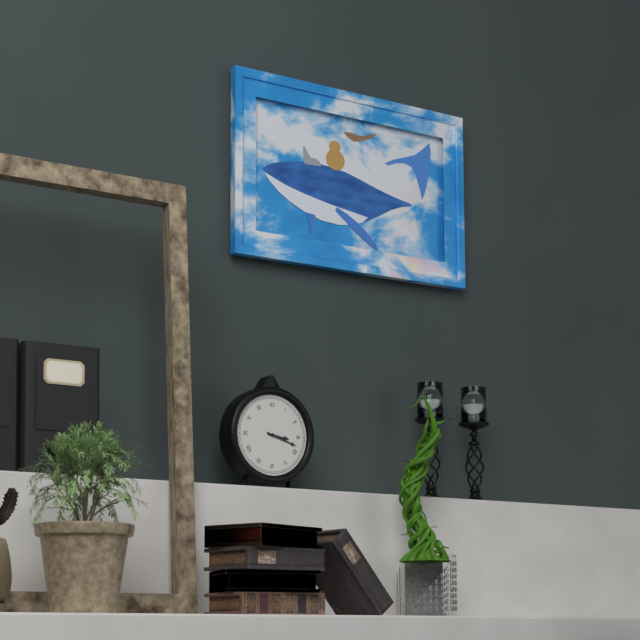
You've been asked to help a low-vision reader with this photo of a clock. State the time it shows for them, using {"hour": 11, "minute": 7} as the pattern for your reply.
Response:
{"hour": 3, "minute": 18}
